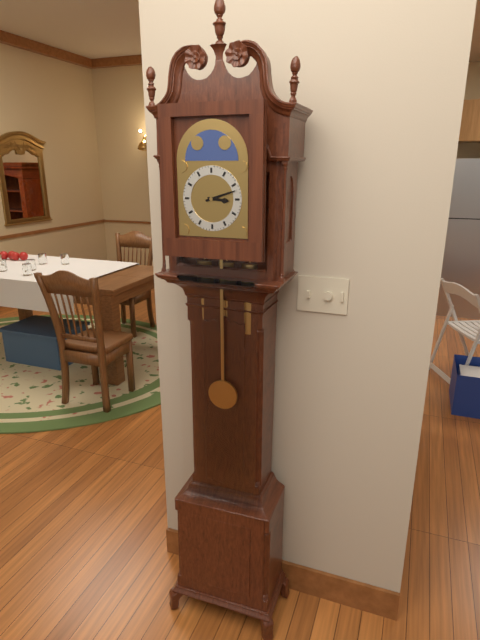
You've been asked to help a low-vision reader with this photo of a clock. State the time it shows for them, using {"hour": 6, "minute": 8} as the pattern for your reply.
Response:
{"hour": 3, "minute": 12}
